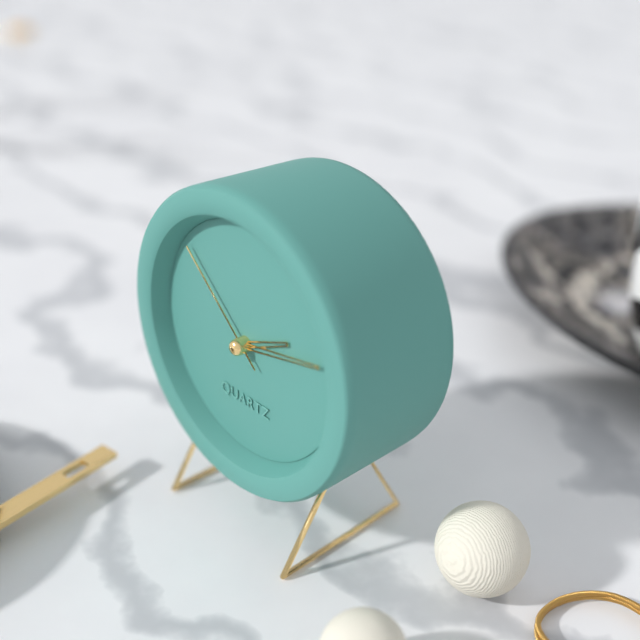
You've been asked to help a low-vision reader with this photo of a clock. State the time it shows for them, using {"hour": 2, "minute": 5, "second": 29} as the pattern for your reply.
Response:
{"hour": 2, "minute": 13, "second": 52}
